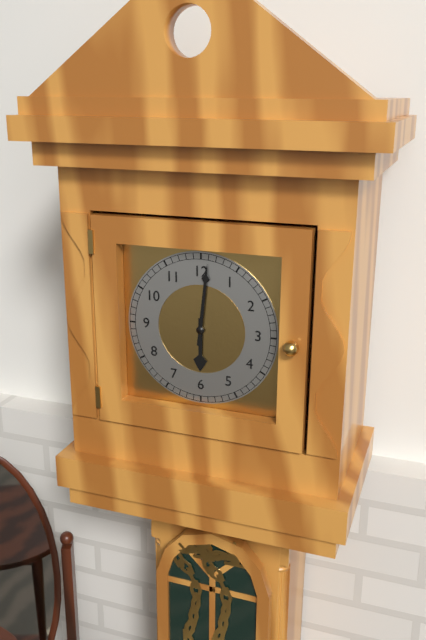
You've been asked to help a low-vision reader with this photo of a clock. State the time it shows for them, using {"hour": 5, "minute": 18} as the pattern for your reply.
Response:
{"hour": 6, "minute": 1}
